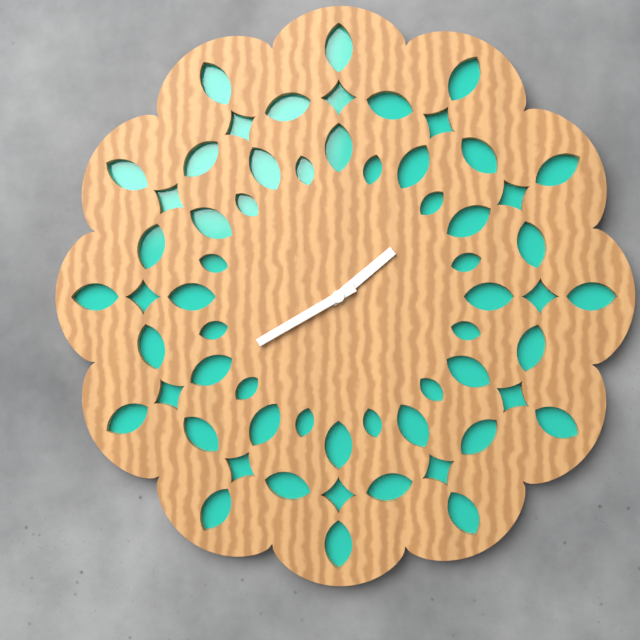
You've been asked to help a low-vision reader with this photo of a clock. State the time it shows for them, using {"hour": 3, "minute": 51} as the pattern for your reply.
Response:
{"hour": 1, "minute": 40}
